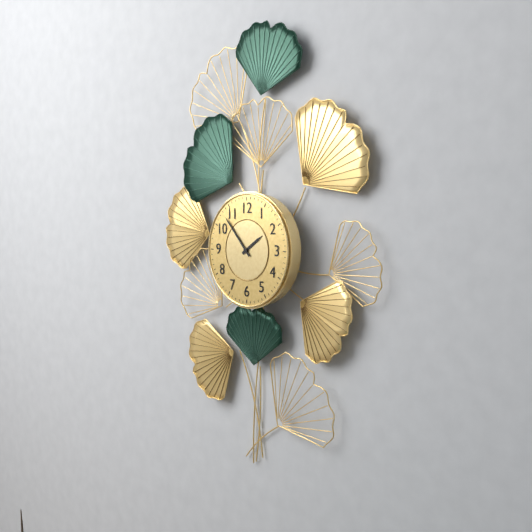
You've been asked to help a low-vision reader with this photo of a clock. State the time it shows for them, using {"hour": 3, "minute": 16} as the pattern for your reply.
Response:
{"hour": 1, "minute": 53}
